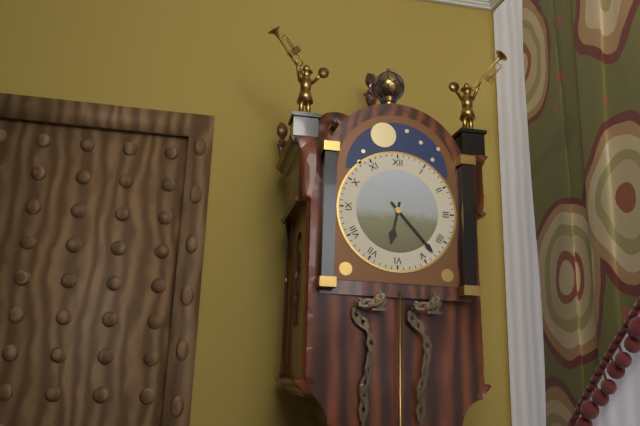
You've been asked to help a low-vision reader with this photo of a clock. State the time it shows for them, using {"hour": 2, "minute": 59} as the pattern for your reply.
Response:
{"hour": 6, "minute": 23}
